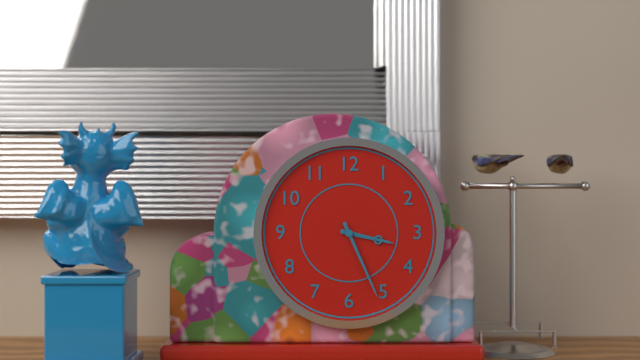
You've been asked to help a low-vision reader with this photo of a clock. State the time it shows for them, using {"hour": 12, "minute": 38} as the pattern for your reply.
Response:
{"hour": 3, "minute": 26}
